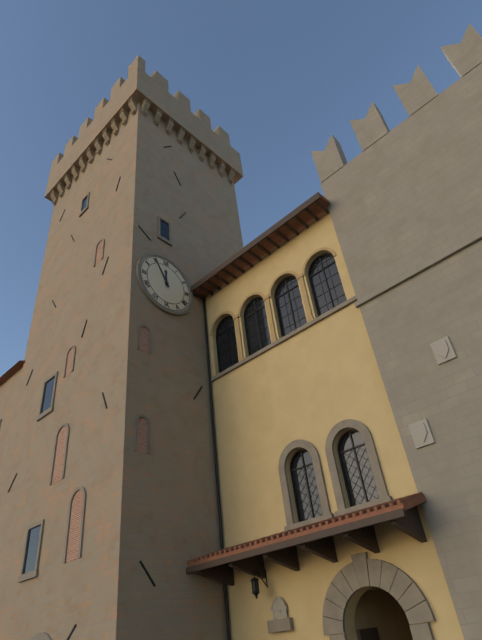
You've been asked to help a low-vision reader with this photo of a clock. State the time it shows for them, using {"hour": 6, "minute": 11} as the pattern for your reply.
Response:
{"hour": 11, "minute": 55}
